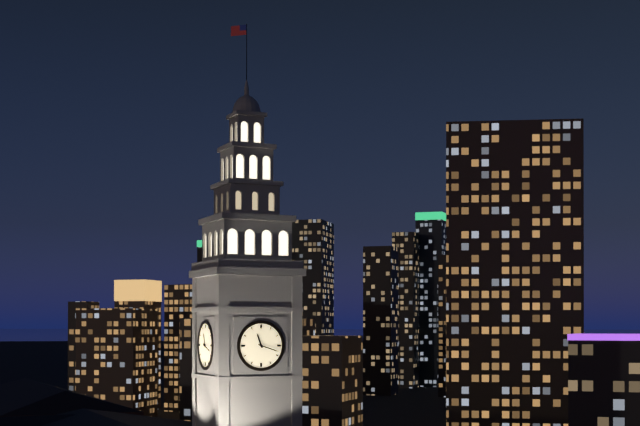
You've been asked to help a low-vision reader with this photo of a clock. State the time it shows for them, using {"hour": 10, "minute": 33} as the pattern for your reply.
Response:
{"hour": 11, "minute": 18}
